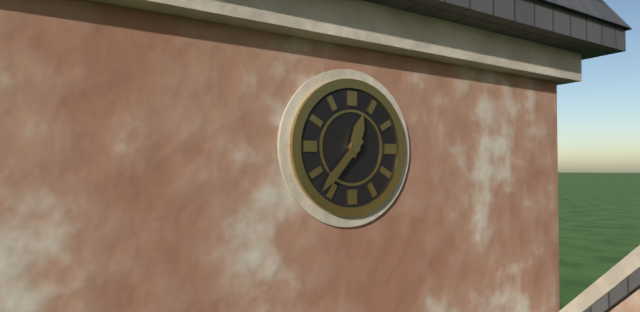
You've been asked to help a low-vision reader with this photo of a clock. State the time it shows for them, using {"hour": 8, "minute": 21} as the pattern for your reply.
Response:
{"hour": 12, "minute": 37}
